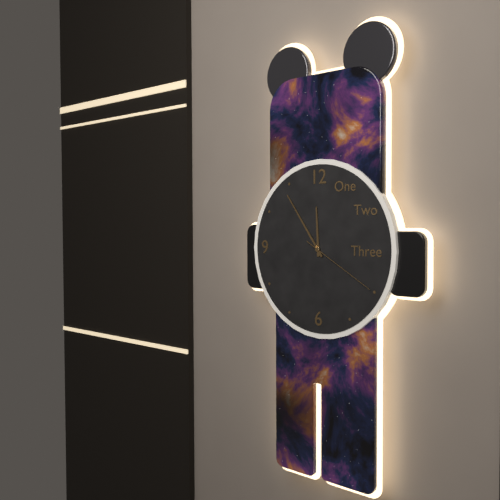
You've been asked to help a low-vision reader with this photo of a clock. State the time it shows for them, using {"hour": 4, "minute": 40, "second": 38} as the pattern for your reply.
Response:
{"hour": 11, "minute": 54, "second": 20}
